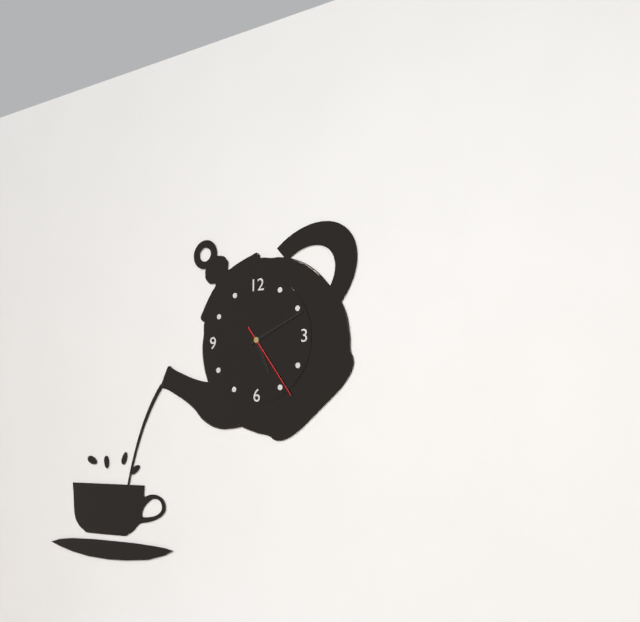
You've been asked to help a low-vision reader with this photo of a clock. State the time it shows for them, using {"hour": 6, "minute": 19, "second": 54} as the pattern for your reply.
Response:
{"hour": 5, "minute": 11, "second": 24}
